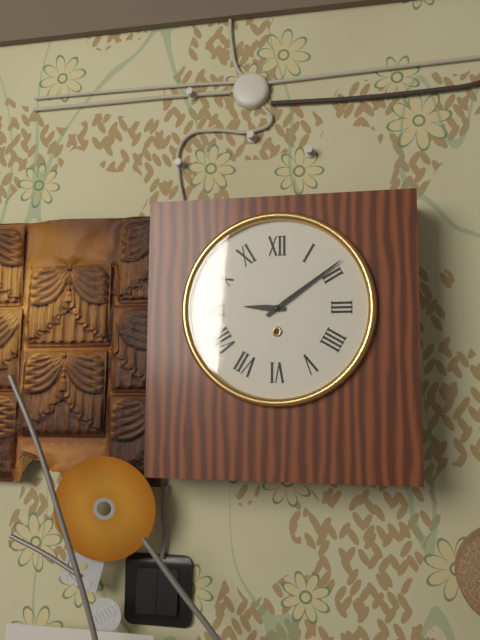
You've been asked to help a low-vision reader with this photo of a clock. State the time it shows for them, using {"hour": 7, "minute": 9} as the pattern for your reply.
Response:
{"hour": 9, "minute": 9}
